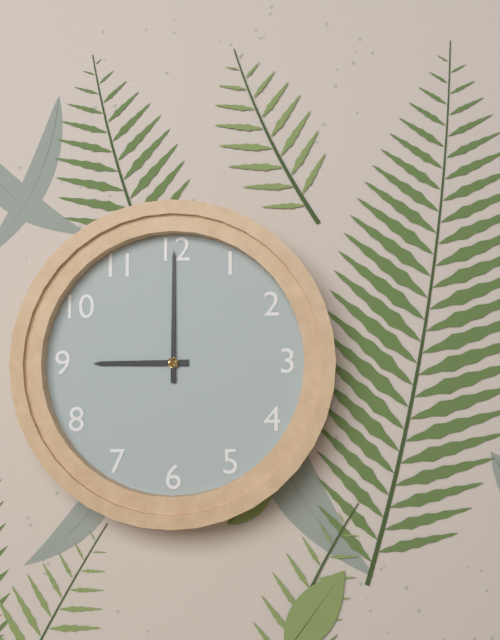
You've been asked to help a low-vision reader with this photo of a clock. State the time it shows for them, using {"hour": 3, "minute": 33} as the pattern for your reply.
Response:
{"hour": 9, "minute": 0}
